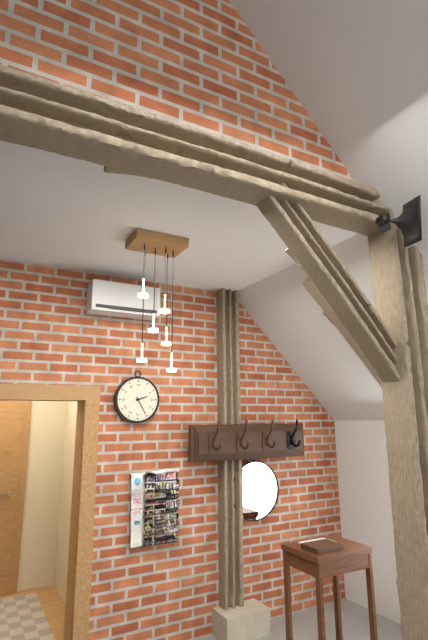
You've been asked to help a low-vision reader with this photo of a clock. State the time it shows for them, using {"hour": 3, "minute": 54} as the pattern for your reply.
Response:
{"hour": 2, "minute": 25}
